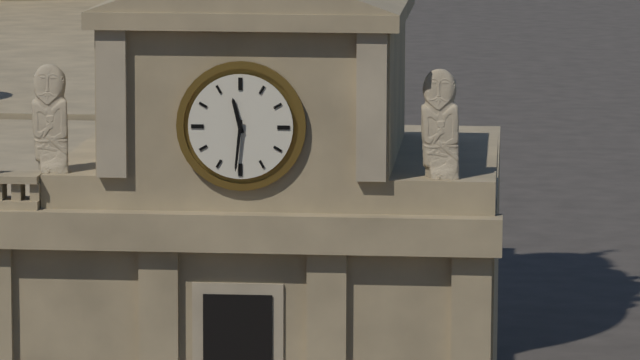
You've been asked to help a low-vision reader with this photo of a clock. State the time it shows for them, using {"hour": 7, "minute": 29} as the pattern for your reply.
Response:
{"hour": 11, "minute": 31}
